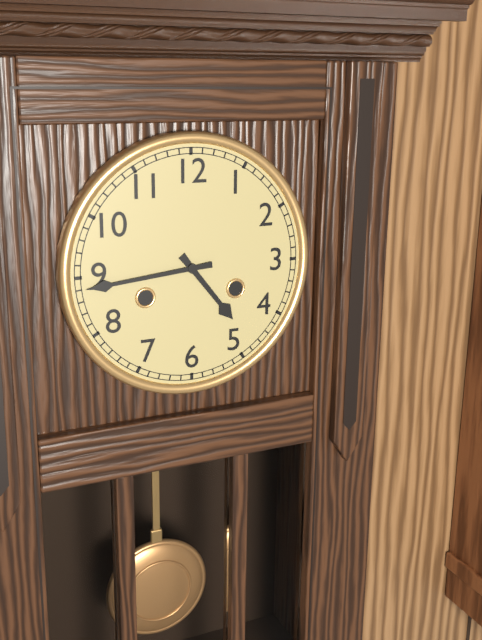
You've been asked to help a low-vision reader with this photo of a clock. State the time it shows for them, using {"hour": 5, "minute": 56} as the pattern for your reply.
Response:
{"hour": 4, "minute": 44}
